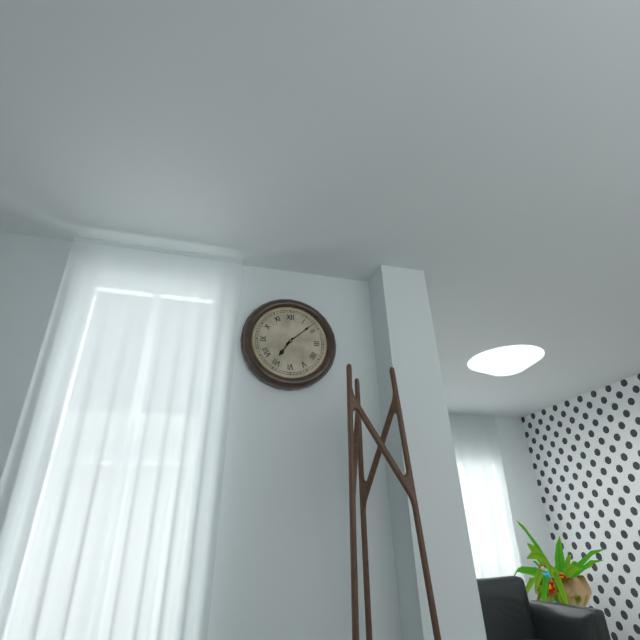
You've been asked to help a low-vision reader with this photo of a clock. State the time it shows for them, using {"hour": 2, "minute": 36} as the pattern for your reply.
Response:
{"hour": 7, "minute": 8}
